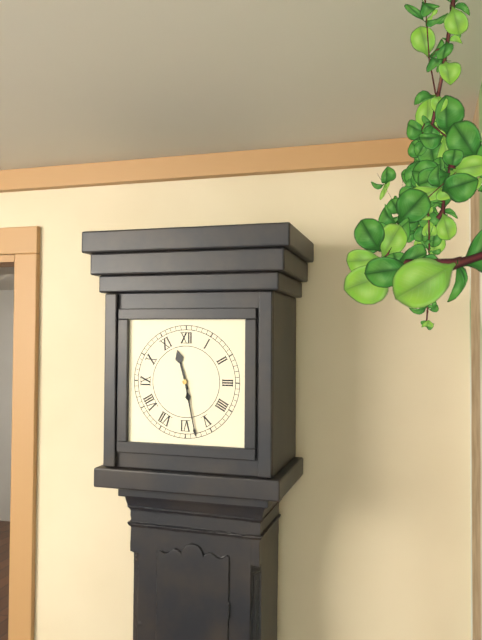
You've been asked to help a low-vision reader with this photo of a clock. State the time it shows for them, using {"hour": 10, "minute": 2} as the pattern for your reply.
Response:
{"hour": 11, "minute": 28}
